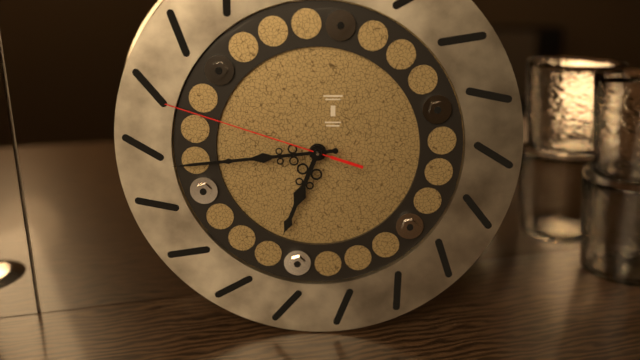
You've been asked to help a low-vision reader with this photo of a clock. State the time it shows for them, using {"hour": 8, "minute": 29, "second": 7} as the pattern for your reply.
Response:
{"hour": 6, "minute": 44, "second": 48}
